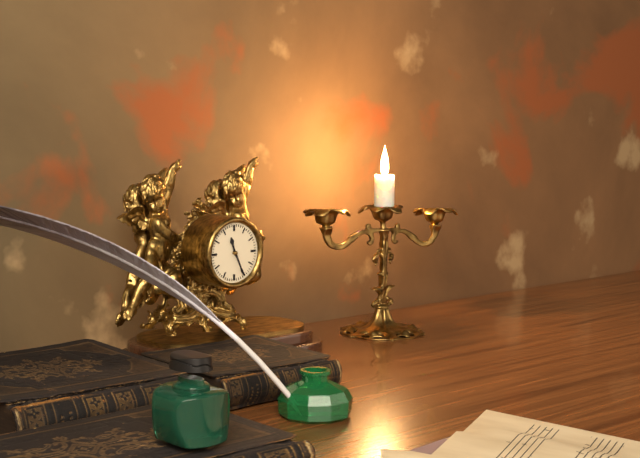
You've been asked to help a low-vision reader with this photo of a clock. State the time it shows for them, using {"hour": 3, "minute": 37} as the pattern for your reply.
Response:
{"hour": 11, "minute": 26}
